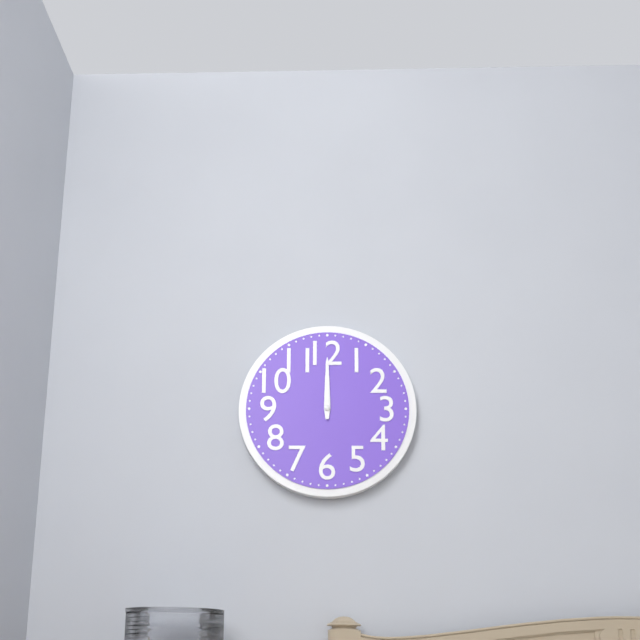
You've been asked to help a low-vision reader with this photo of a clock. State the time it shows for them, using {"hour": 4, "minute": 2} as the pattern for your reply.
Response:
{"hour": 12, "minute": 0}
